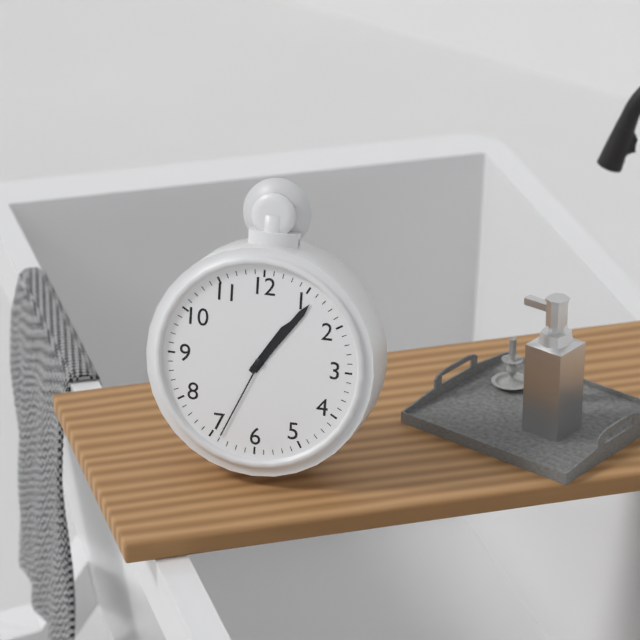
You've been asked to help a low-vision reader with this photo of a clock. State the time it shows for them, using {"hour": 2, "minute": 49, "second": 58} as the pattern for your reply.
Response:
{"hour": 1, "minute": 6, "second": 34}
